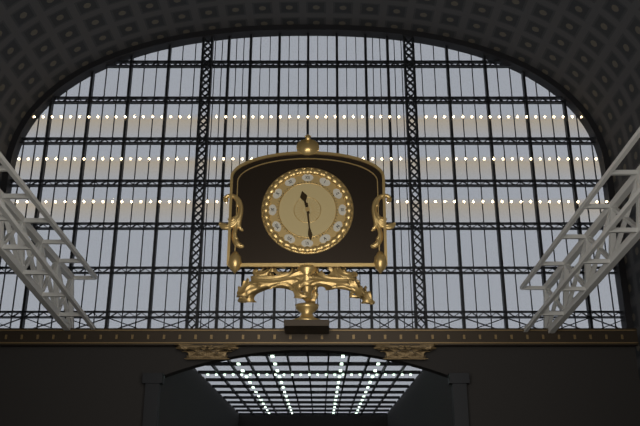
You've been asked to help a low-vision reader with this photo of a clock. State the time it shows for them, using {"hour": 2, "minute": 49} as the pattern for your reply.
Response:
{"hour": 11, "minute": 29}
